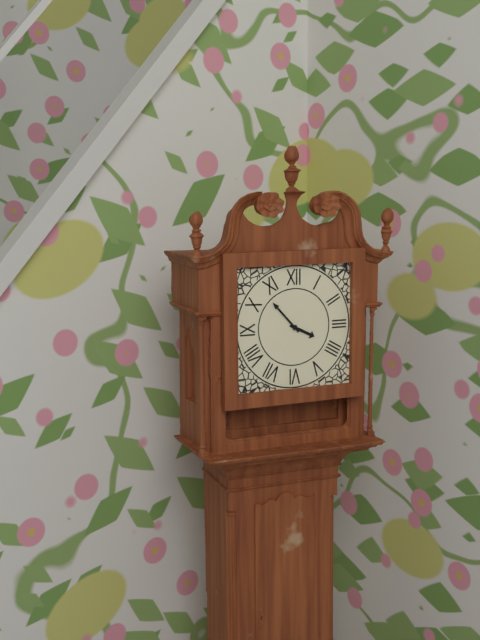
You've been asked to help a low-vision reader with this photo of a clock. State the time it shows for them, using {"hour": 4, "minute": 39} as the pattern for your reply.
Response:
{"hour": 3, "minute": 53}
